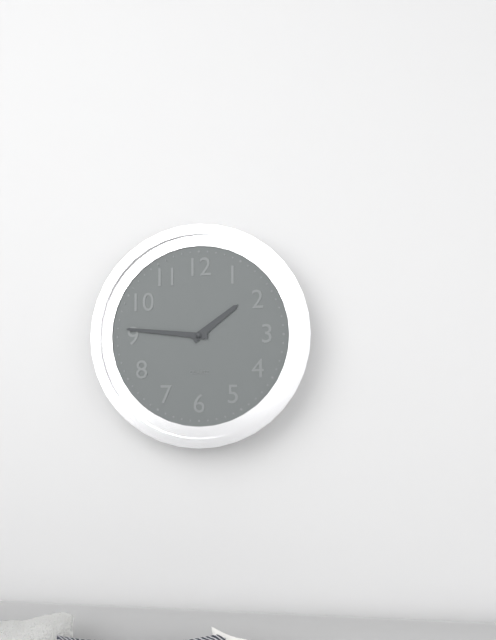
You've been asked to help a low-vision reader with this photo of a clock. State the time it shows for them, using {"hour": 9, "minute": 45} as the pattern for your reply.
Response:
{"hour": 1, "minute": 46}
